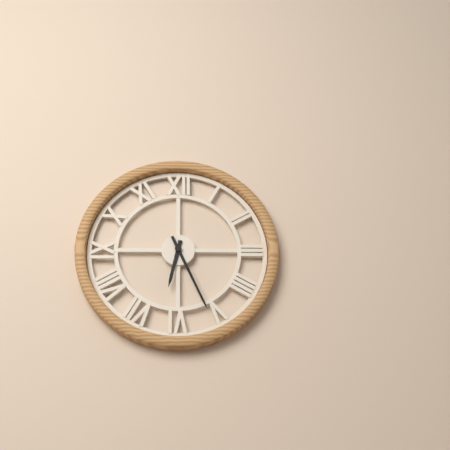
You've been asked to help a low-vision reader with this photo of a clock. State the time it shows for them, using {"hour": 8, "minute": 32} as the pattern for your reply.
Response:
{"hour": 6, "minute": 26}
